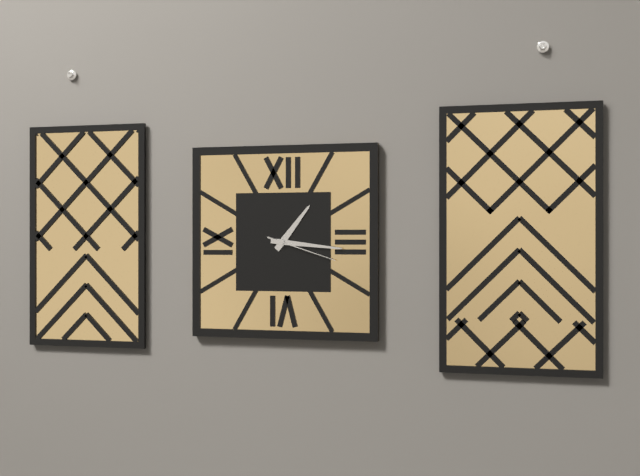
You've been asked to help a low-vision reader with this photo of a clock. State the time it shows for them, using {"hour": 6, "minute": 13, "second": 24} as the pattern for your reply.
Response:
{"hour": 1, "minute": 16, "second": 18}
